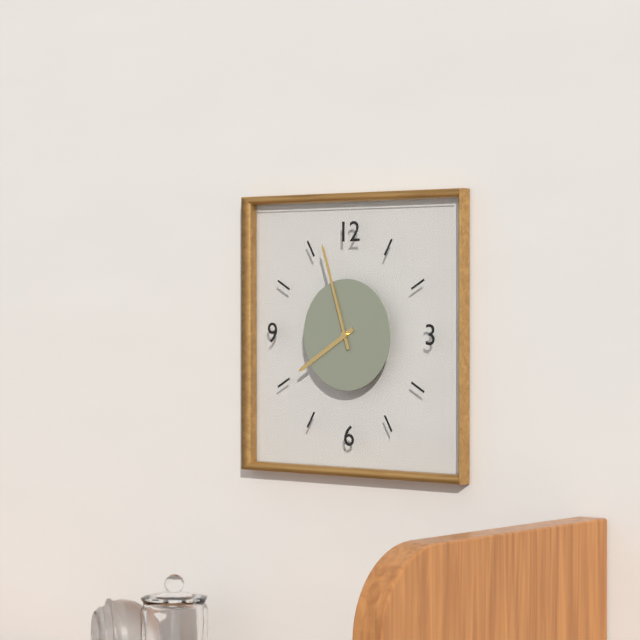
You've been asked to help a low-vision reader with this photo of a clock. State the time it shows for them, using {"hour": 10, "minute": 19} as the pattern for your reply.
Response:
{"hour": 7, "minute": 57}
